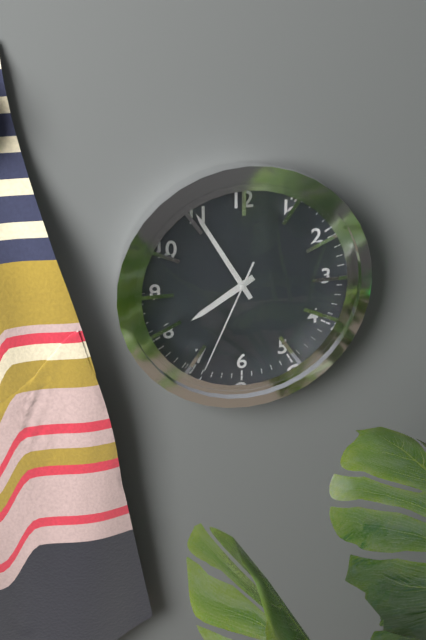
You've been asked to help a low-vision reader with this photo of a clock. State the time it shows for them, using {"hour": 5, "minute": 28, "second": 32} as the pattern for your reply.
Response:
{"hour": 7, "minute": 55, "second": 34}
